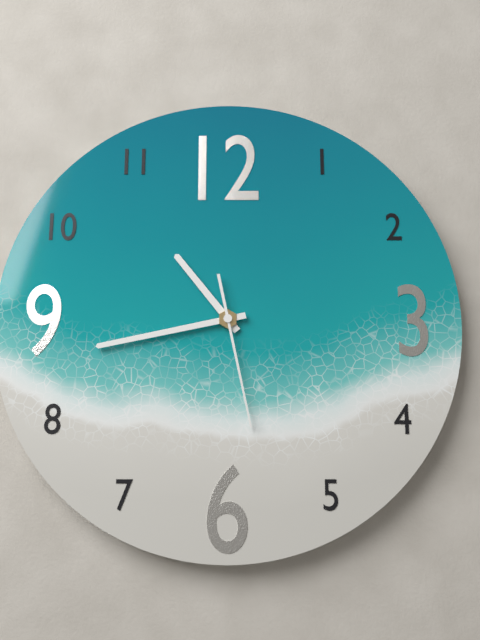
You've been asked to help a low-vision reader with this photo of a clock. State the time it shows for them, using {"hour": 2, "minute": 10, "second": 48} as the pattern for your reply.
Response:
{"hour": 10, "minute": 43, "second": 28}
